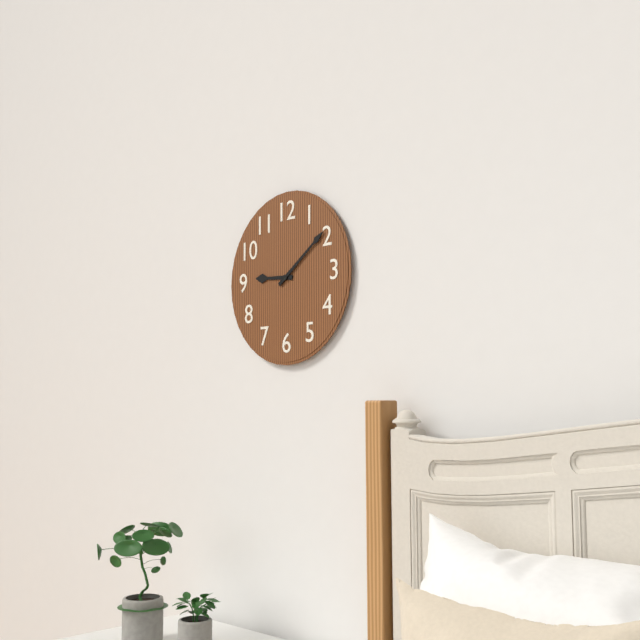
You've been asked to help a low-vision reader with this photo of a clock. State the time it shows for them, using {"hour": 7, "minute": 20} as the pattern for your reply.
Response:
{"hour": 9, "minute": 9}
